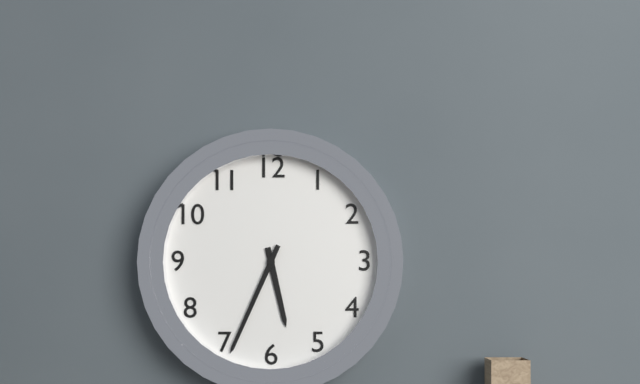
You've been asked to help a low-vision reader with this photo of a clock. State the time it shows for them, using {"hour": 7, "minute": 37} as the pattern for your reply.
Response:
{"hour": 5, "minute": 34}
